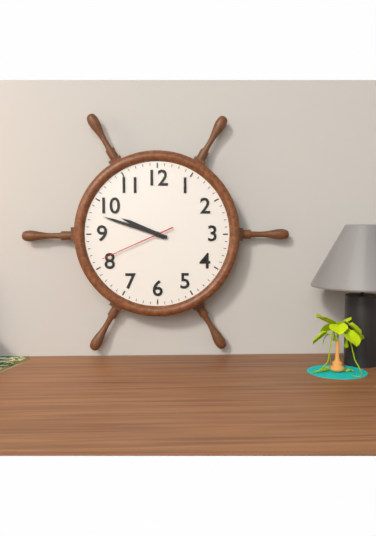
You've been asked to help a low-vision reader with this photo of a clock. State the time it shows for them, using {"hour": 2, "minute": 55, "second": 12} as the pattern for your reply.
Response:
{"hour": 9, "minute": 48, "second": 41}
